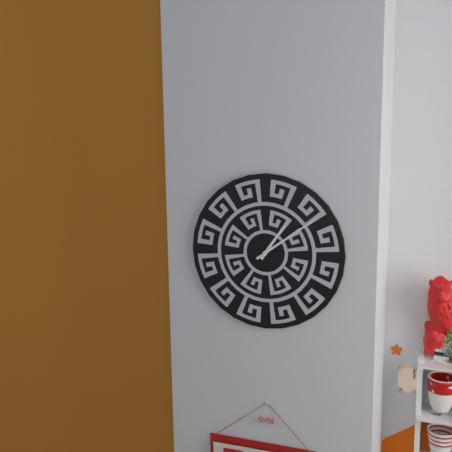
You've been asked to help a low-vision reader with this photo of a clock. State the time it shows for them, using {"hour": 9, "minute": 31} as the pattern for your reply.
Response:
{"hour": 1, "minute": 9}
